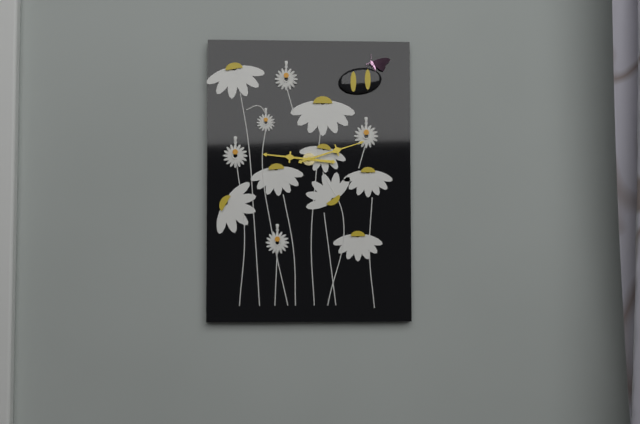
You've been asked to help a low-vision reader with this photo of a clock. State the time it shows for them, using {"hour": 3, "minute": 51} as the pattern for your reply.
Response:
{"hour": 9, "minute": 12}
